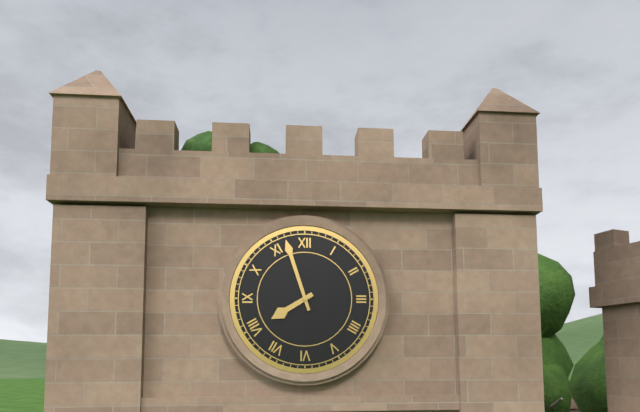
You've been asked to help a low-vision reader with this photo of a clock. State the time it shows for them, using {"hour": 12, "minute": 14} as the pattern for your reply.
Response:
{"hour": 7, "minute": 57}
